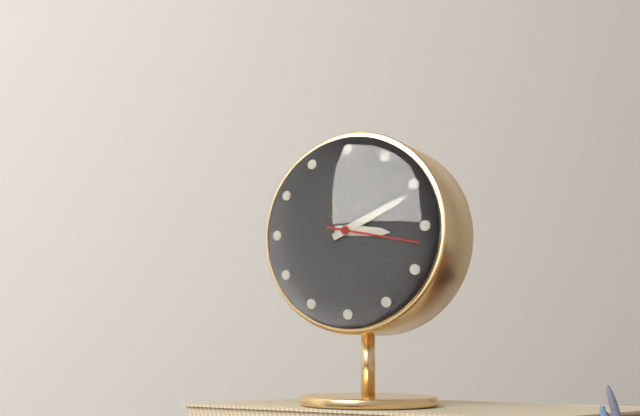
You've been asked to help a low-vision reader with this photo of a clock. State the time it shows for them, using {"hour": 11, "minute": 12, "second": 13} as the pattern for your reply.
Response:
{"hour": 3, "minute": 11, "second": 17}
